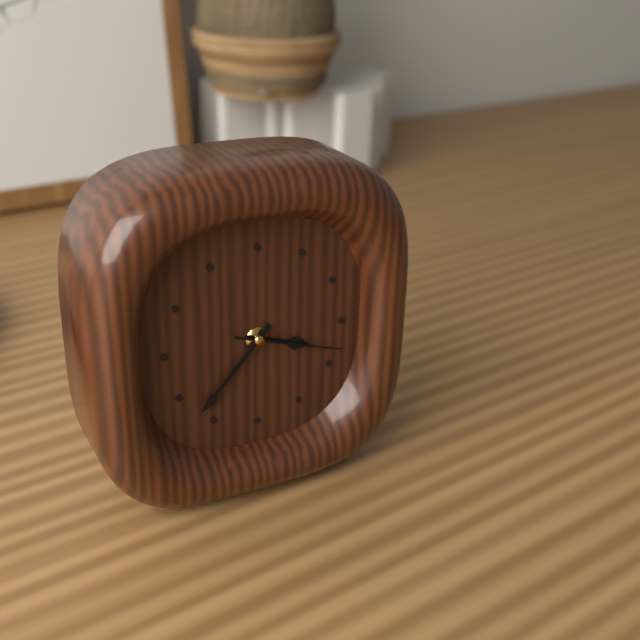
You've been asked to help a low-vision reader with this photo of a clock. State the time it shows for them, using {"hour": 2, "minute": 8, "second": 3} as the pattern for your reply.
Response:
{"hour": 3, "minute": 37, "second": 18}
